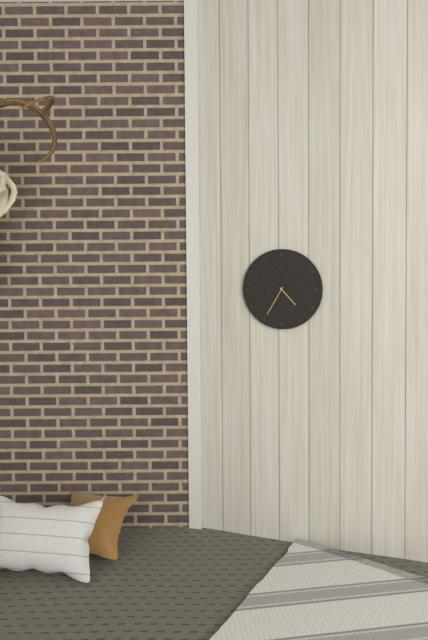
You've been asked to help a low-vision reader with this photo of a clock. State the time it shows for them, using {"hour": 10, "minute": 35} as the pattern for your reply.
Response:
{"hour": 4, "minute": 35}
